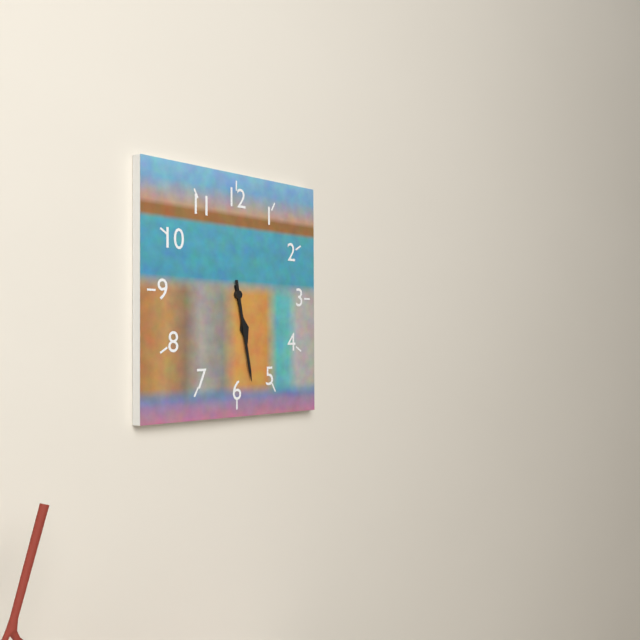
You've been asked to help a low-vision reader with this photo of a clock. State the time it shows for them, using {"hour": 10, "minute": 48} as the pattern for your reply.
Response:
{"hour": 5, "minute": 28}
